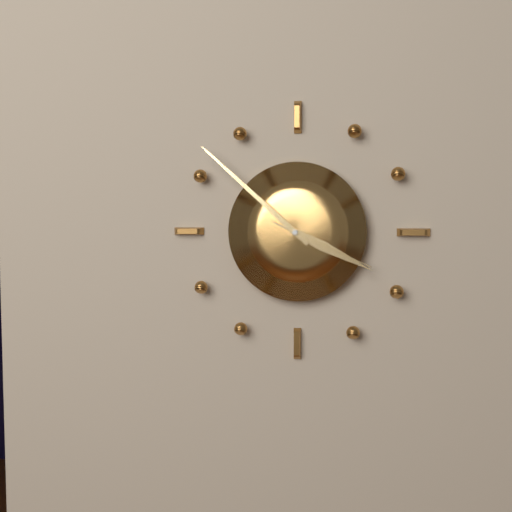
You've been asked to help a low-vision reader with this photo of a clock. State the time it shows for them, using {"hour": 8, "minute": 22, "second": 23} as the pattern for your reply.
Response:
{"hour": 3, "minute": 52, "second": 19}
